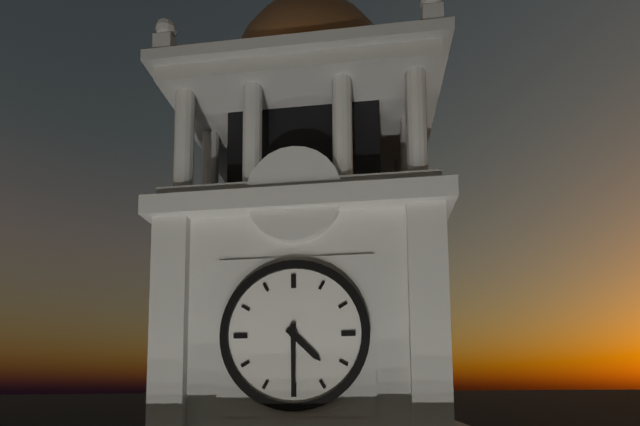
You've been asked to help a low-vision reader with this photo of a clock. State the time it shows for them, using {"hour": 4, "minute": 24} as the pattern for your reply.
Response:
{"hour": 4, "minute": 30}
